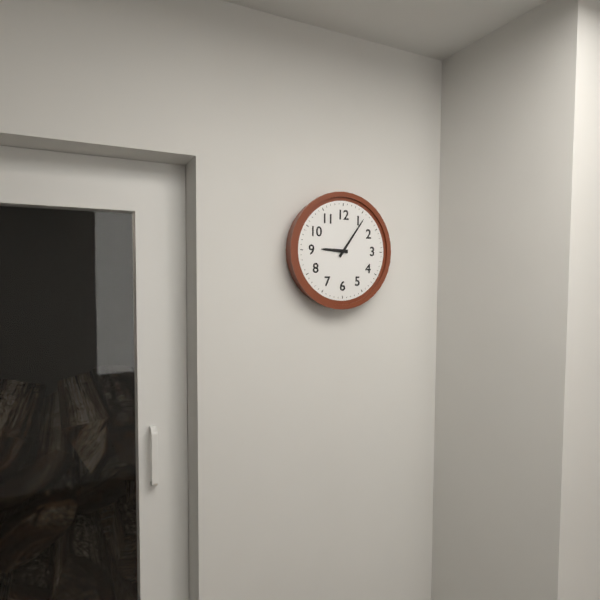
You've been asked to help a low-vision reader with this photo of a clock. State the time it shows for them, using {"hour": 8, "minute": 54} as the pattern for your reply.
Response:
{"hour": 9, "minute": 6}
